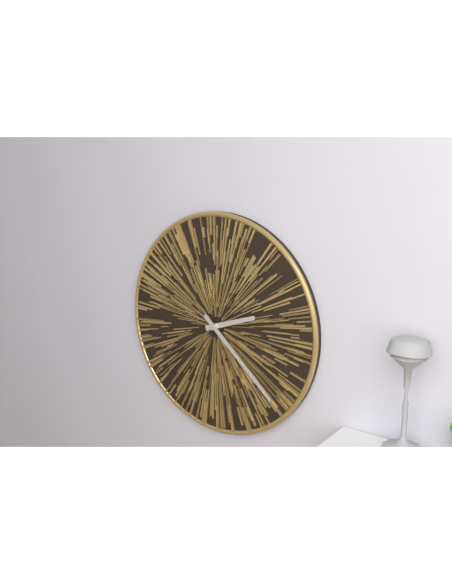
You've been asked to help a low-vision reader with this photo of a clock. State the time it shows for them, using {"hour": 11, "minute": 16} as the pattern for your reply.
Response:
{"hour": 2, "minute": 22}
